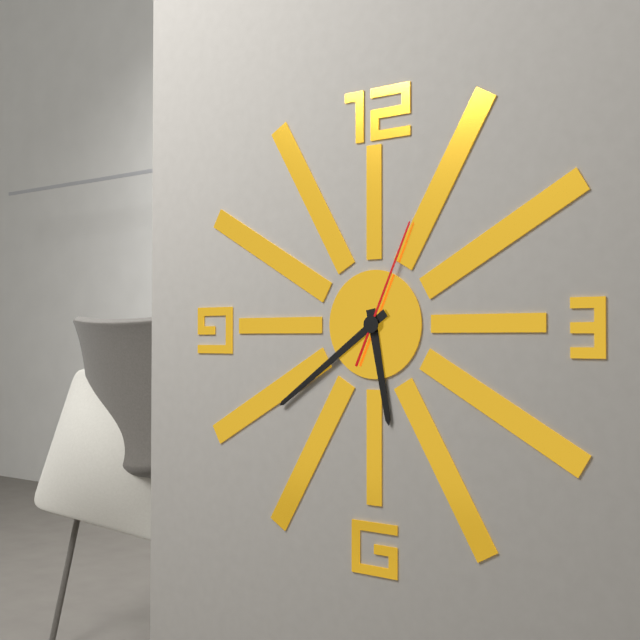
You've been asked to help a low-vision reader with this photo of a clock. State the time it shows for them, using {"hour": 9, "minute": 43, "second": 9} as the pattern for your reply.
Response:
{"hour": 5, "minute": 39, "second": 4}
